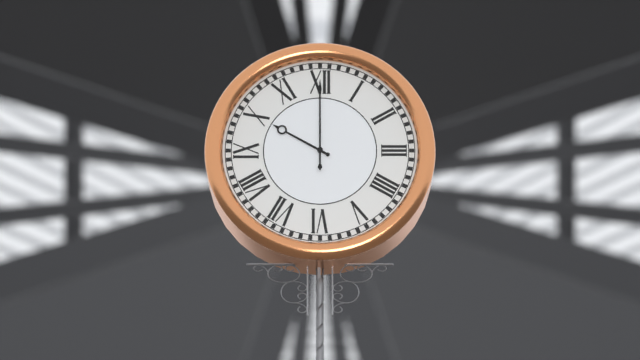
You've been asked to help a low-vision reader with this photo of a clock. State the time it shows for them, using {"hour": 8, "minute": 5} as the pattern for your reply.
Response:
{"hour": 10, "minute": 0}
